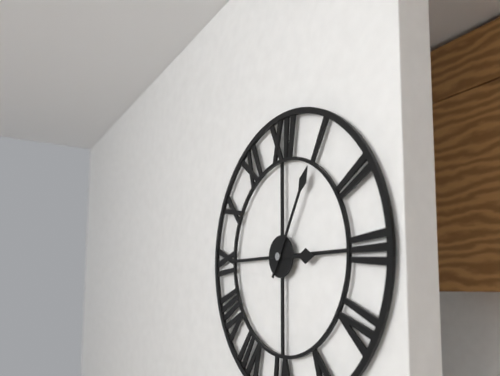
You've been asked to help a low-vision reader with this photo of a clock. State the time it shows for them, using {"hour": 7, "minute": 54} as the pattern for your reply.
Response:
{"hour": 3, "minute": 5}
